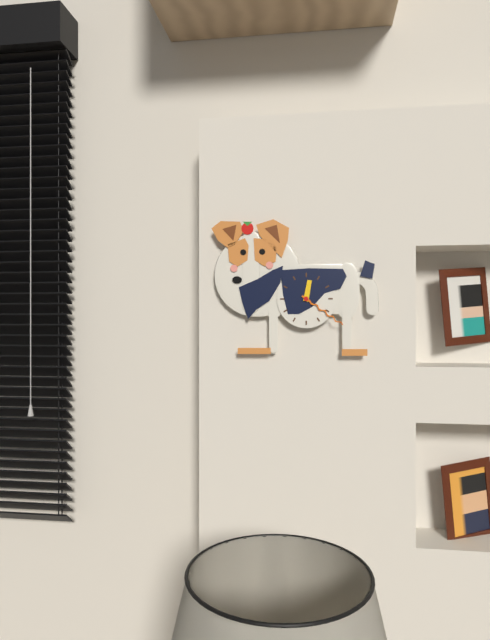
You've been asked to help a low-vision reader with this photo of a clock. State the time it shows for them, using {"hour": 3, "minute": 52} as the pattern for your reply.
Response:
{"hour": 12, "minute": 21}
